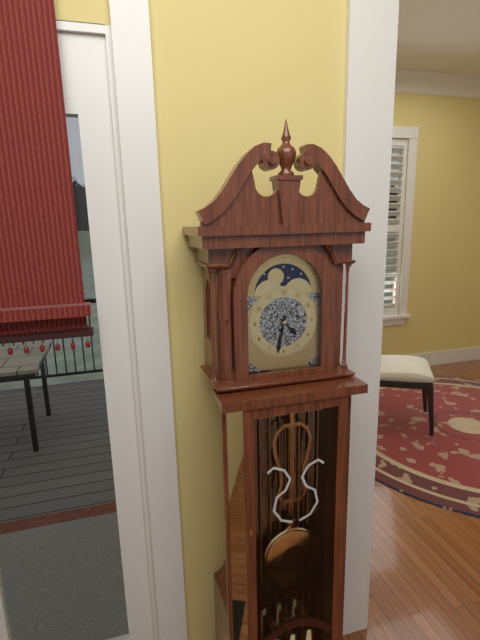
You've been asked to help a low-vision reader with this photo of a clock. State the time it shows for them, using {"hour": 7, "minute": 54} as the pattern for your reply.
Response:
{"hour": 4, "minute": 32}
